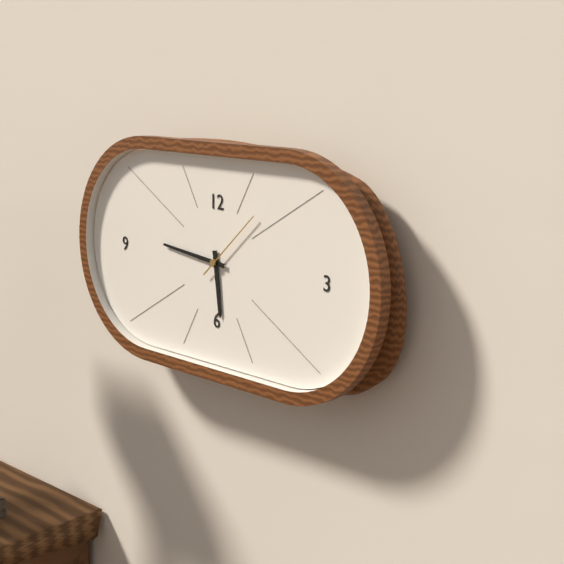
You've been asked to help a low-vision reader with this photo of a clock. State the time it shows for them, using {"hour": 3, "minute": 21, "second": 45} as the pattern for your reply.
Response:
{"hour": 5, "minute": 46, "second": 8}
